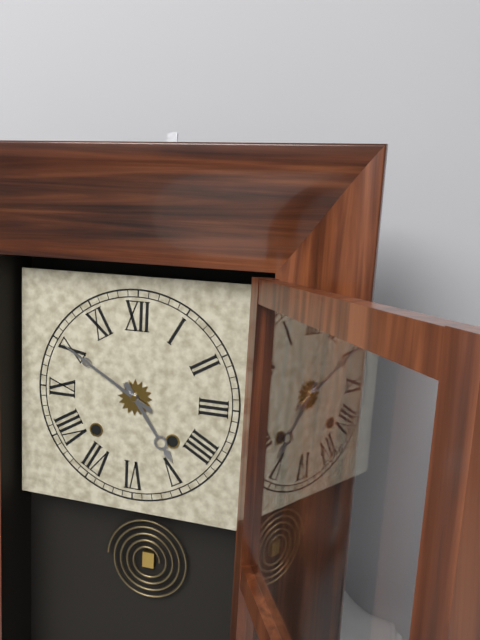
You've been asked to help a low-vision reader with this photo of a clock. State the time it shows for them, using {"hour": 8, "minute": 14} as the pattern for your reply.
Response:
{"hour": 4, "minute": 50}
